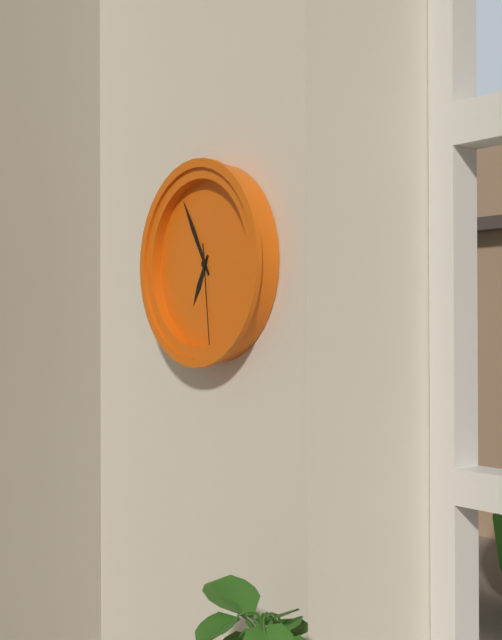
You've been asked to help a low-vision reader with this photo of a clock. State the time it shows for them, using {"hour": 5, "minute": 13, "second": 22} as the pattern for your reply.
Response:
{"hour": 6, "minute": 55, "second": 29}
